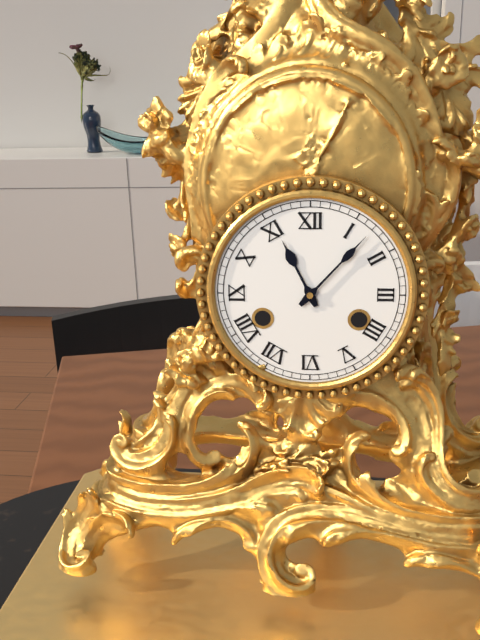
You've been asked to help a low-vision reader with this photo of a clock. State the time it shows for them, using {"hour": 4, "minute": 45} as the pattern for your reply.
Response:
{"hour": 11, "minute": 7}
